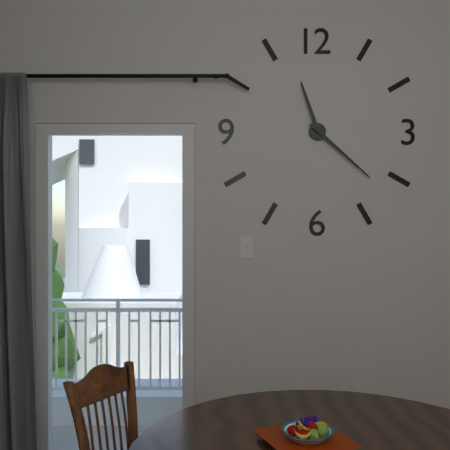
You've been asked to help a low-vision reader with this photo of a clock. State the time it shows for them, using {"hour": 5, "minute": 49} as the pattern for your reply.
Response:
{"hour": 11, "minute": 22}
